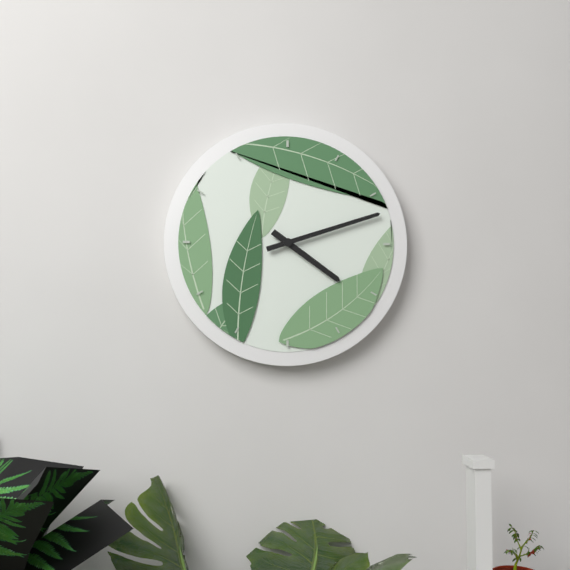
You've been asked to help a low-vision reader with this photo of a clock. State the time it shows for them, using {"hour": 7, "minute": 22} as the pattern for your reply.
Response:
{"hour": 4, "minute": 12}
